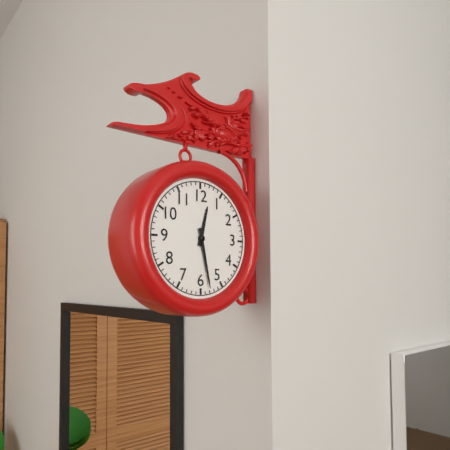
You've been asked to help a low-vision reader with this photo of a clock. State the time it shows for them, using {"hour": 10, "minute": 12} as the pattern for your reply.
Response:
{"hour": 12, "minute": 28}
